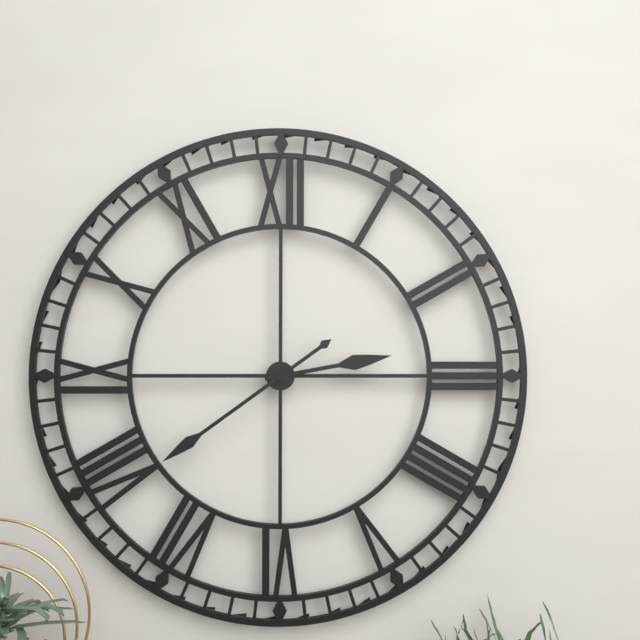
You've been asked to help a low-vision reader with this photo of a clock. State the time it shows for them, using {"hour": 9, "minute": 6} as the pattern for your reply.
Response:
{"hour": 2, "minute": 39}
